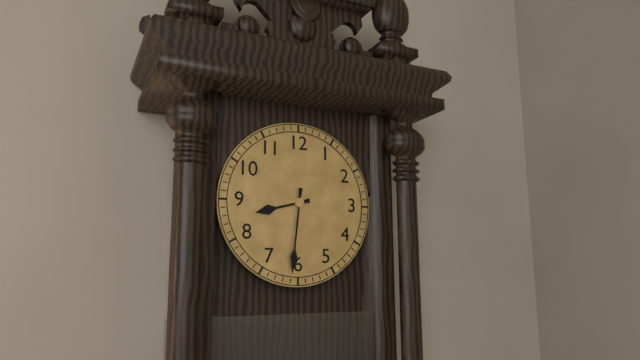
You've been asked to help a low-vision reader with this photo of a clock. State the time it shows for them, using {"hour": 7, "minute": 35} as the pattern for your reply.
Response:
{"hour": 8, "minute": 31}
